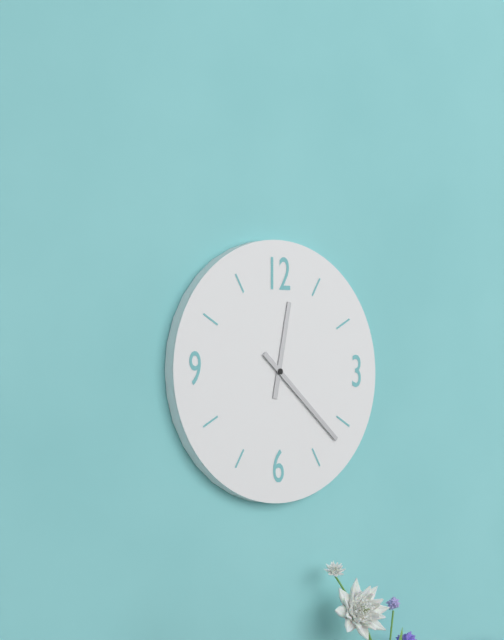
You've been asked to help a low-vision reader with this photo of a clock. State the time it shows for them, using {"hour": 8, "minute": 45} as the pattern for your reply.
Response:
{"hour": 12, "minute": 22}
